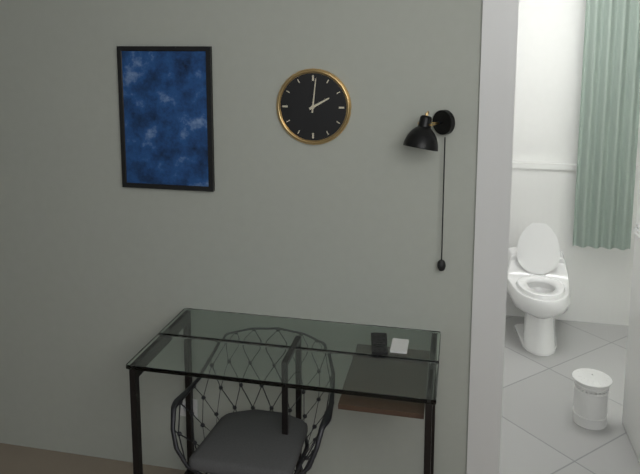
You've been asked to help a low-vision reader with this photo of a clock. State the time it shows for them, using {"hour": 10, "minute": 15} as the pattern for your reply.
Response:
{"hour": 2, "minute": 1}
